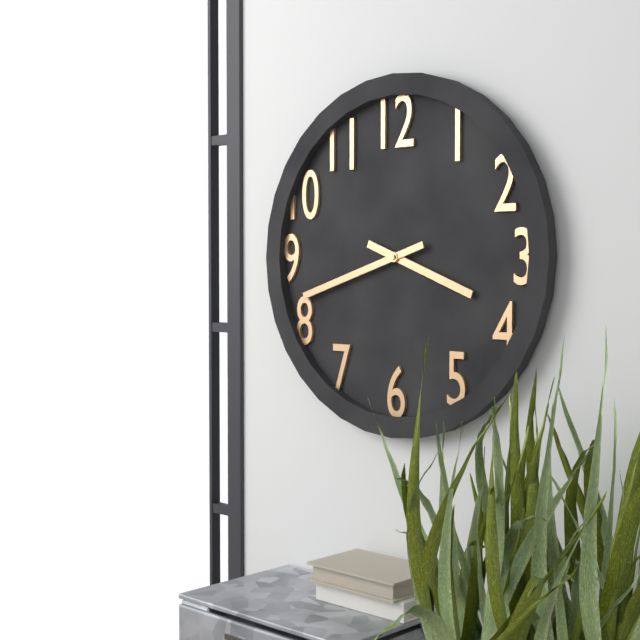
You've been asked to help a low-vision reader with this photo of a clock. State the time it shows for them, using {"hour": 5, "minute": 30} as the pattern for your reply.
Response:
{"hour": 3, "minute": 42}
